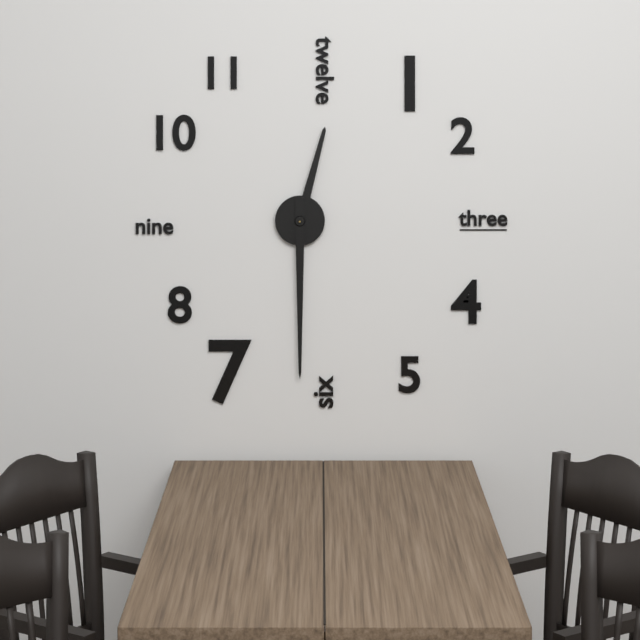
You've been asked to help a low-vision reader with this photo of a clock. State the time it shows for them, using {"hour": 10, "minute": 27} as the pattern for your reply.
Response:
{"hour": 12, "minute": 30}
